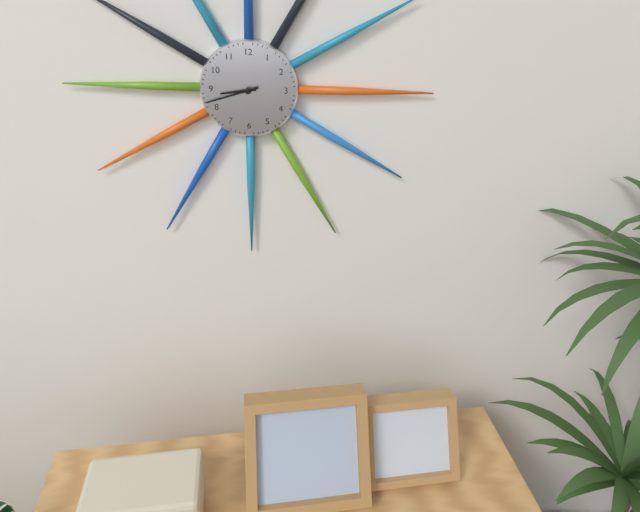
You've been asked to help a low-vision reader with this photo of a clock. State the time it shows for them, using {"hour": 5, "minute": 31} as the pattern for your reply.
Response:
{"hour": 8, "minute": 42}
